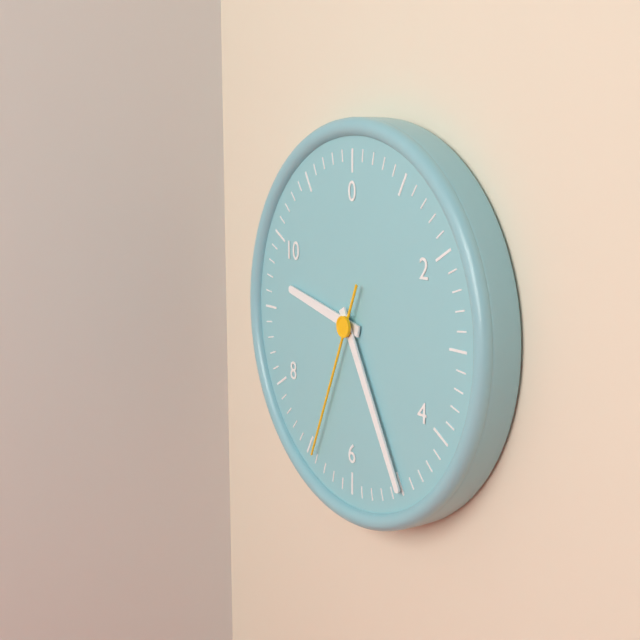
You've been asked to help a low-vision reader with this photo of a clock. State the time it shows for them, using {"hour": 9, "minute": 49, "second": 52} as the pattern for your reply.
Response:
{"hour": 9, "minute": 25, "second": 34}
